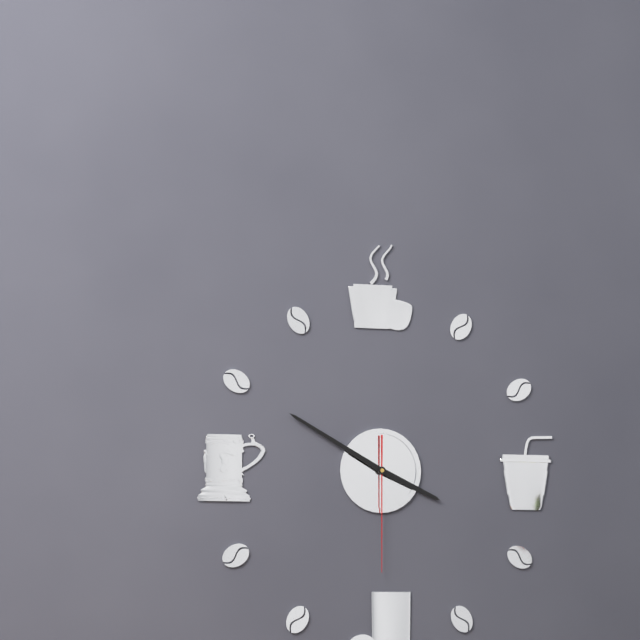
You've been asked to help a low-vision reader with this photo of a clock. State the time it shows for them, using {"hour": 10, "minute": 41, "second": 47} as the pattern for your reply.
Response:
{"hour": 3, "minute": 50, "second": 30}
